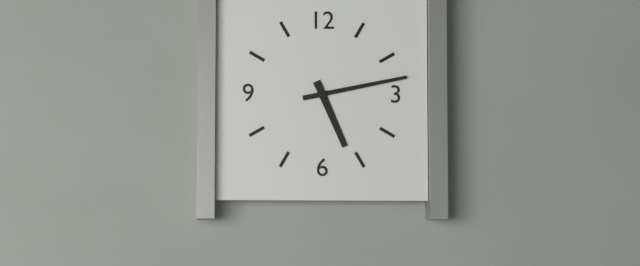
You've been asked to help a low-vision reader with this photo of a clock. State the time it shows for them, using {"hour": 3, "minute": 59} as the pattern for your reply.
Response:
{"hour": 5, "minute": 13}
